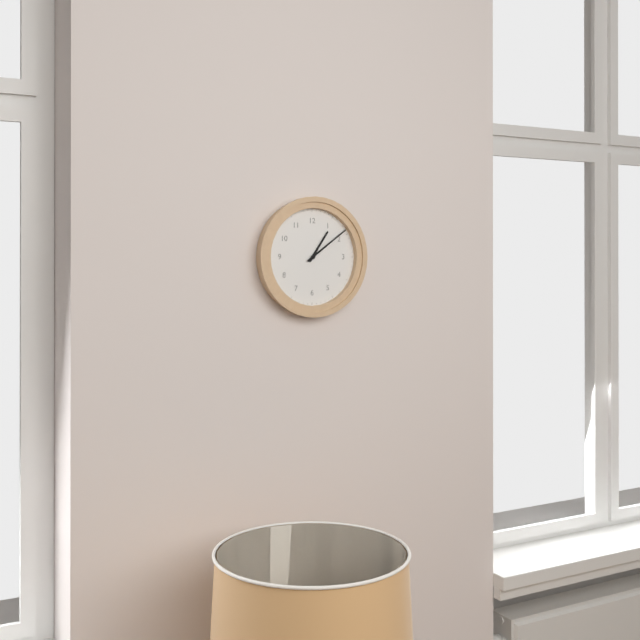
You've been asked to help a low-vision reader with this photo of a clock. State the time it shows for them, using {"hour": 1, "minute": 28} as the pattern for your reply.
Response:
{"hour": 1, "minute": 9}
